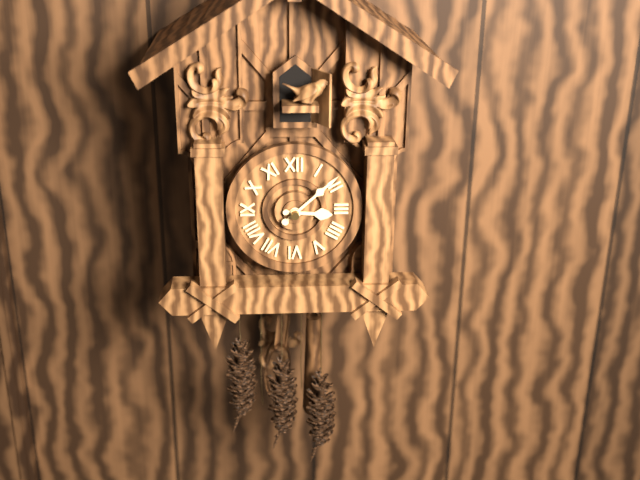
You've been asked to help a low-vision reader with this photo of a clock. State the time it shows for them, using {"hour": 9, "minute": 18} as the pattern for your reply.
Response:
{"hour": 3, "minute": 8}
